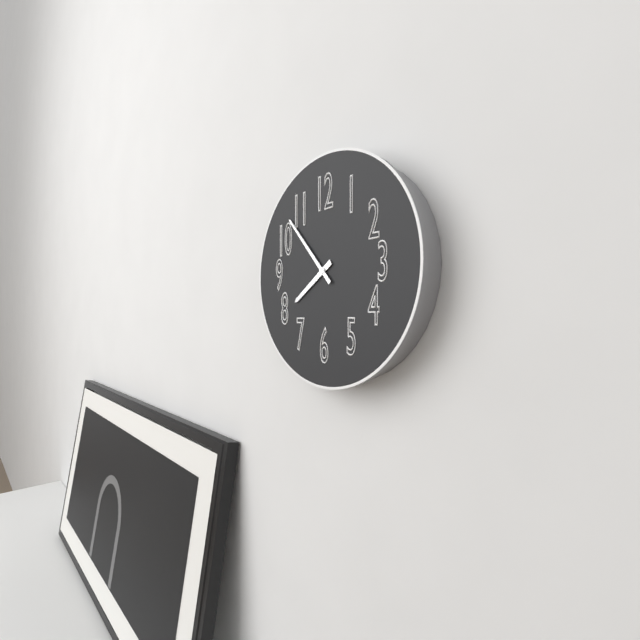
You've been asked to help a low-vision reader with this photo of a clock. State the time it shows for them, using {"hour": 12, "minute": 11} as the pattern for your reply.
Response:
{"hour": 7, "minute": 53}
